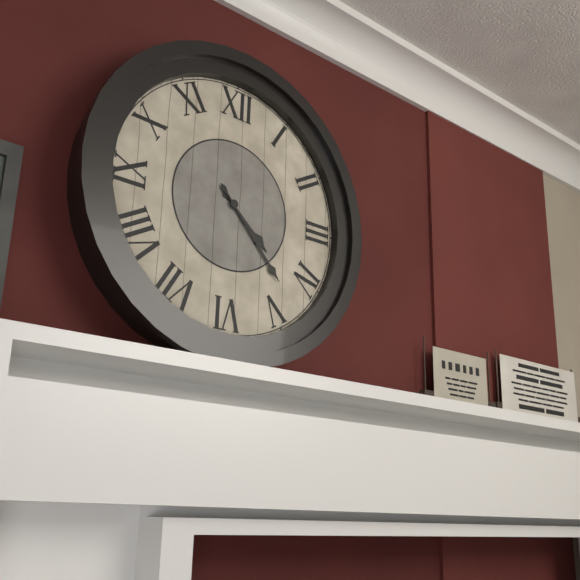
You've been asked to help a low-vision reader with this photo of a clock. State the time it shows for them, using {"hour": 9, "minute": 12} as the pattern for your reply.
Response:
{"hour": 4, "minute": 23}
